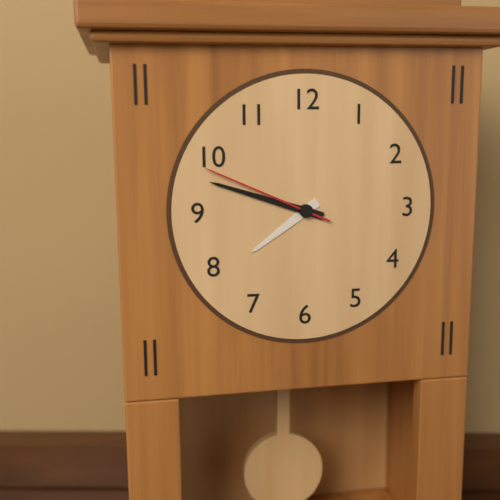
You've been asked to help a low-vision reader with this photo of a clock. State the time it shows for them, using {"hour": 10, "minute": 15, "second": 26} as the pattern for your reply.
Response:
{"hour": 7, "minute": 48, "second": 49}
